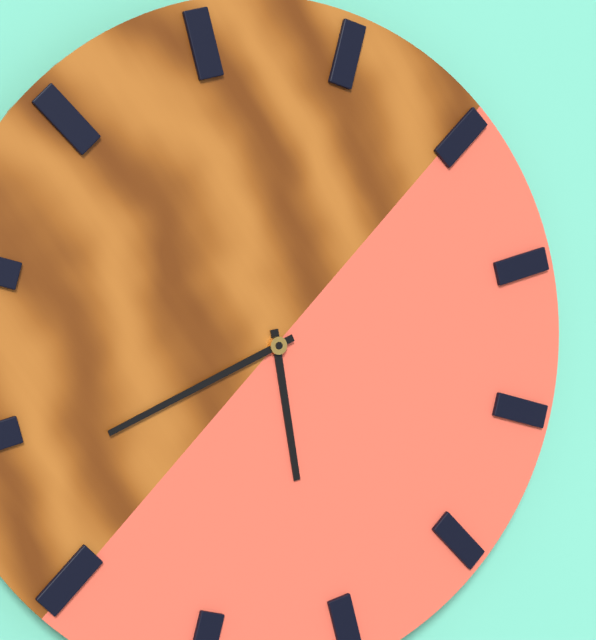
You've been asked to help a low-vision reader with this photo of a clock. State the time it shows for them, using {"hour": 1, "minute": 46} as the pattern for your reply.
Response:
{"hour": 5, "minute": 41}
